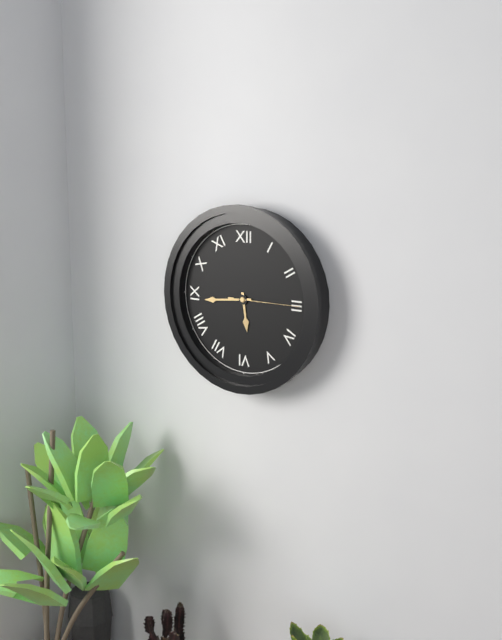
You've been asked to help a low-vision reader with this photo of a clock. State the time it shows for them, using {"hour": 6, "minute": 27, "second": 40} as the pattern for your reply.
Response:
{"hour": 5, "minute": 44, "second": 15}
